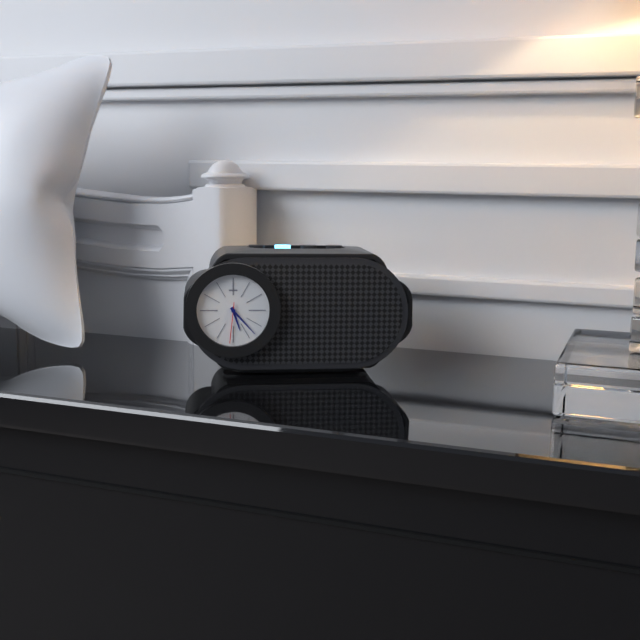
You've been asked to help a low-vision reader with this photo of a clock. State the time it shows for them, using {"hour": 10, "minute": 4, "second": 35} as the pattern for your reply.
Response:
{"hour": 5, "minute": 23, "second": 31}
